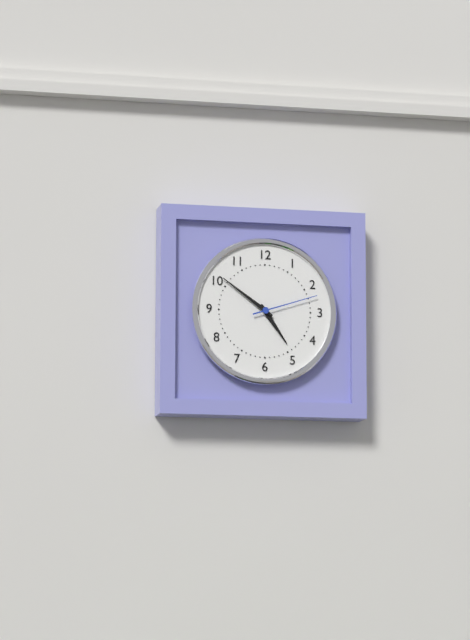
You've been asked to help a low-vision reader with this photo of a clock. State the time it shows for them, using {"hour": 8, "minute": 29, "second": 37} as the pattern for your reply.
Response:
{"hour": 4, "minute": 51, "second": 12}
